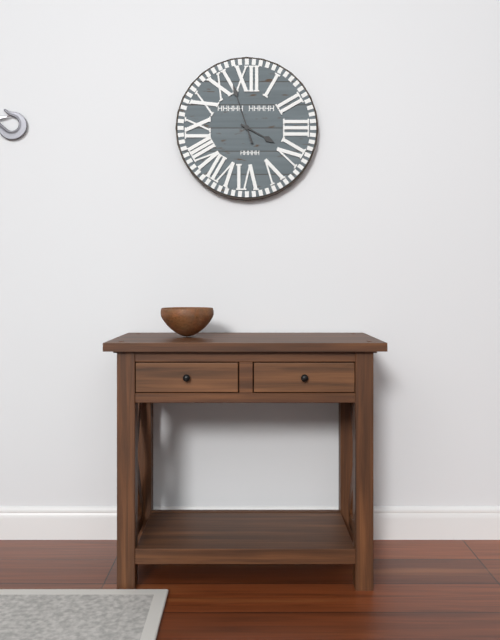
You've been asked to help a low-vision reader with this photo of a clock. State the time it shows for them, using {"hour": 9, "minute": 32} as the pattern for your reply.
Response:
{"hour": 3, "minute": 57}
